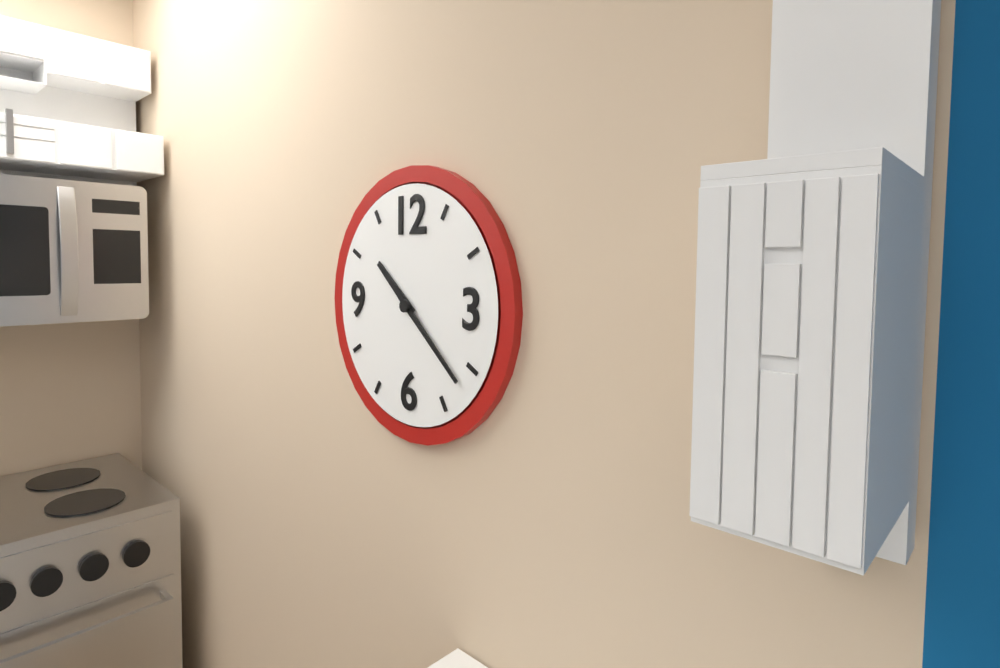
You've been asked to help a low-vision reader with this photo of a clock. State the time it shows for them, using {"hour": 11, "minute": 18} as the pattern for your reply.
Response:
{"hour": 10, "minute": 22}
